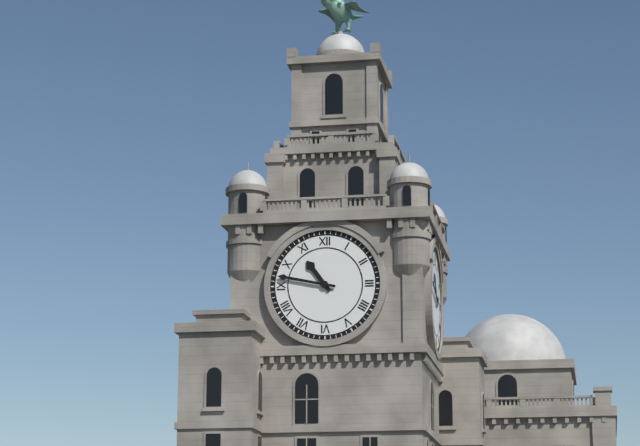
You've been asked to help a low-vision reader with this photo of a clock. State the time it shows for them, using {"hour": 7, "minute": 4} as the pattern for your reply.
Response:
{"hour": 10, "minute": 47}
